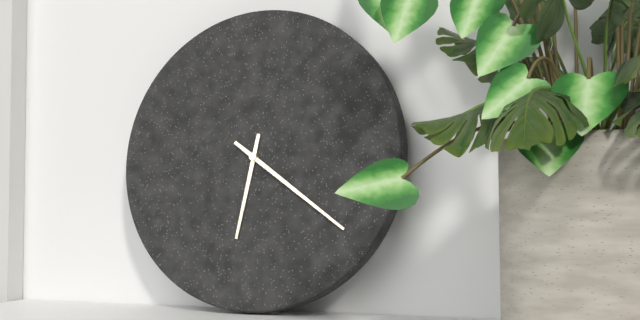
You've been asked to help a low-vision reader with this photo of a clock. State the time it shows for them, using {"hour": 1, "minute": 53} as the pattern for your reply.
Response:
{"hour": 6, "minute": 21}
